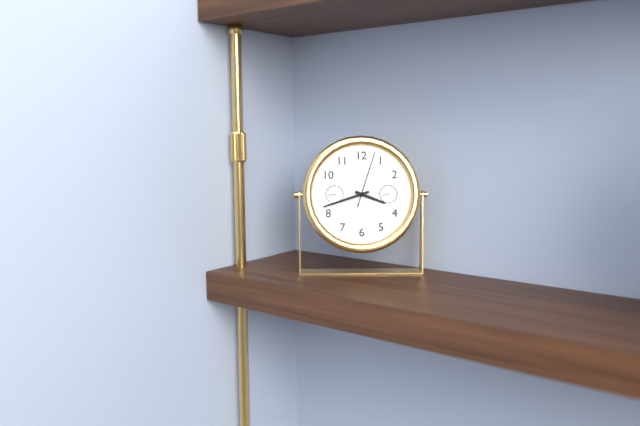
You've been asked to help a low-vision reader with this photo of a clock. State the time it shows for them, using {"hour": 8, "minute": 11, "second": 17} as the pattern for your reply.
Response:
{"hour": 3, "minute": 42, "second": 3}
